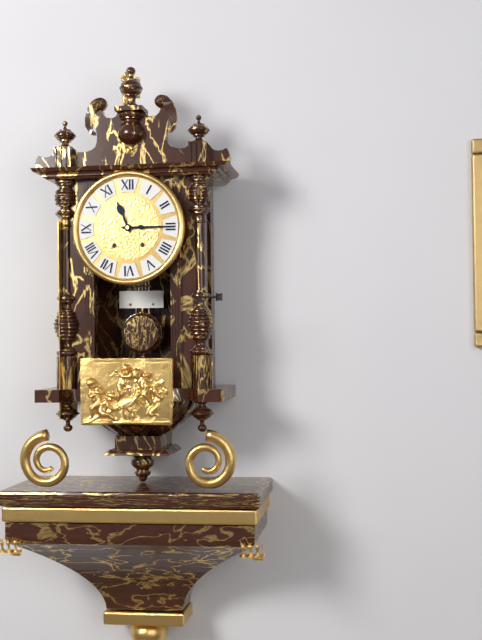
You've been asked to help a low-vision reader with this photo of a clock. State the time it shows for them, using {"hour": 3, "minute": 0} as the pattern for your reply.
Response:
{"hour": 11, "minute": 15}
